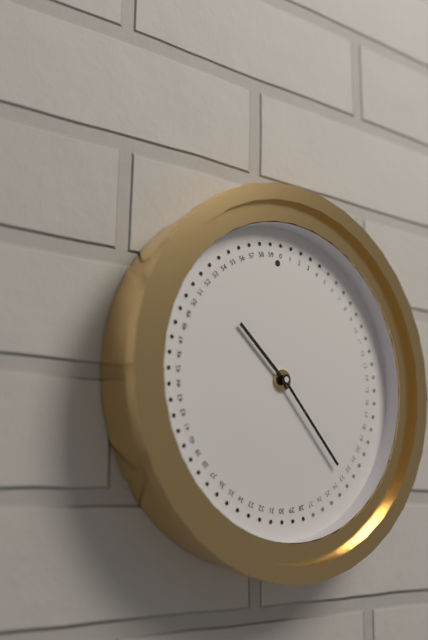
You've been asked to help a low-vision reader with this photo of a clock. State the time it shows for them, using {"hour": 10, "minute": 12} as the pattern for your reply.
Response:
{"hour": 10, "minute": 23}
